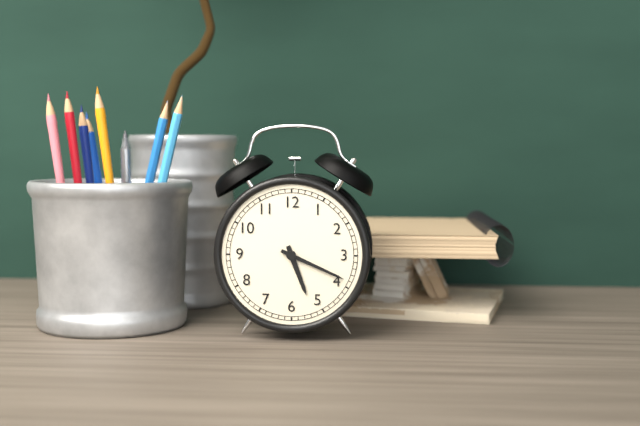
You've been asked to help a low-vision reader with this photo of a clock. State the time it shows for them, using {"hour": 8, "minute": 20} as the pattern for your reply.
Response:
{"hour": 5, "minute": 19}
